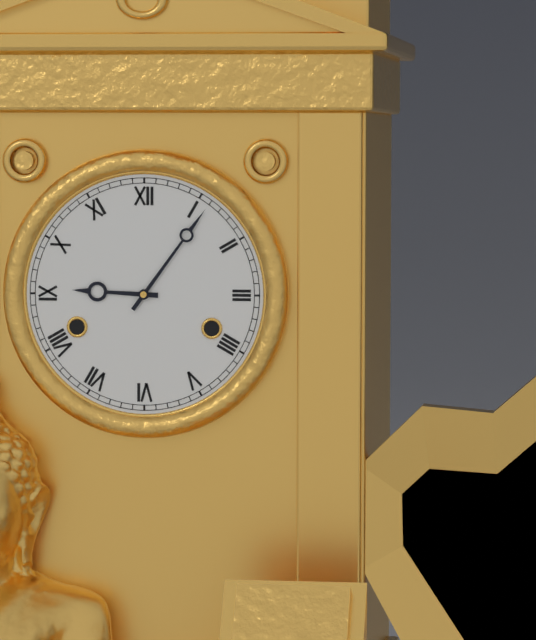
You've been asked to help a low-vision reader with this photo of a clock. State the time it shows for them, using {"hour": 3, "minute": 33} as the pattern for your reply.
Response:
{"hour": 9, "minute": 6}
